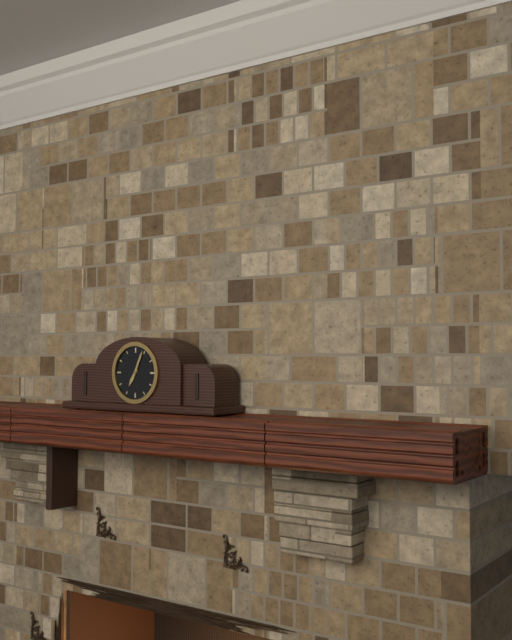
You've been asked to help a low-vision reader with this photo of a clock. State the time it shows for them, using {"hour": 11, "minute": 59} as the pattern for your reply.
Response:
{"hour": 7, "minute": 4}
